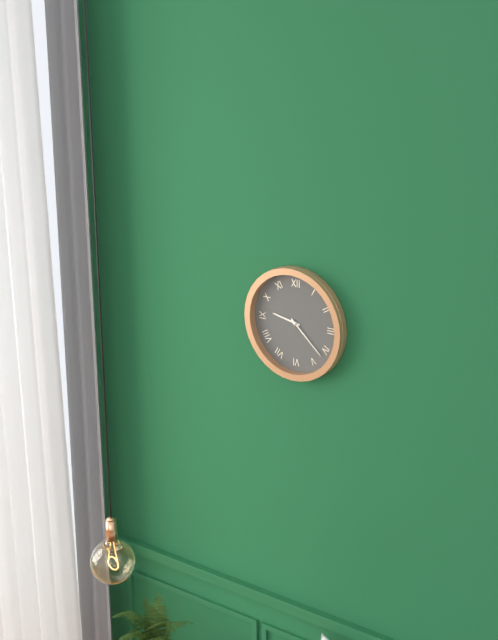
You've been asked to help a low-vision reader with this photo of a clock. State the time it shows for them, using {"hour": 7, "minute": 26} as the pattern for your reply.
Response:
{"hour": 9, "minute": 22}
